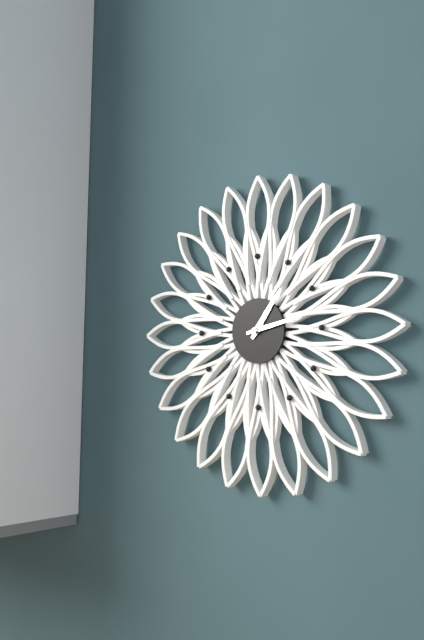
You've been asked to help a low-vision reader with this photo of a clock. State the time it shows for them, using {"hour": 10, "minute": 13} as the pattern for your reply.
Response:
{"hour": 1, "minute": 13}
